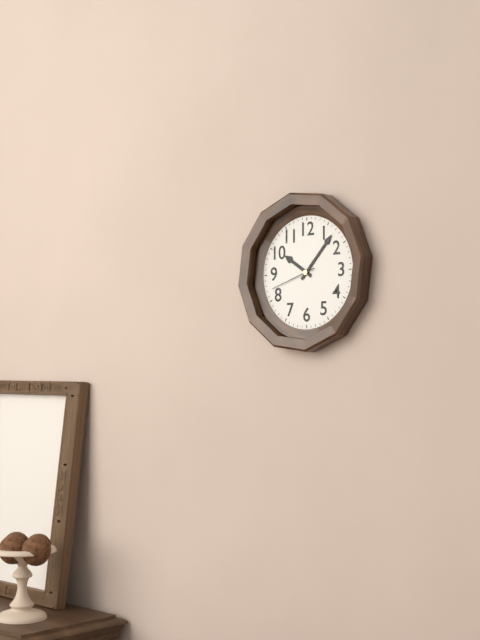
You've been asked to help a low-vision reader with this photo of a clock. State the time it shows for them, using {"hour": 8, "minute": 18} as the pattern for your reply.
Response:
{"hour": 10, "minute": 7}
